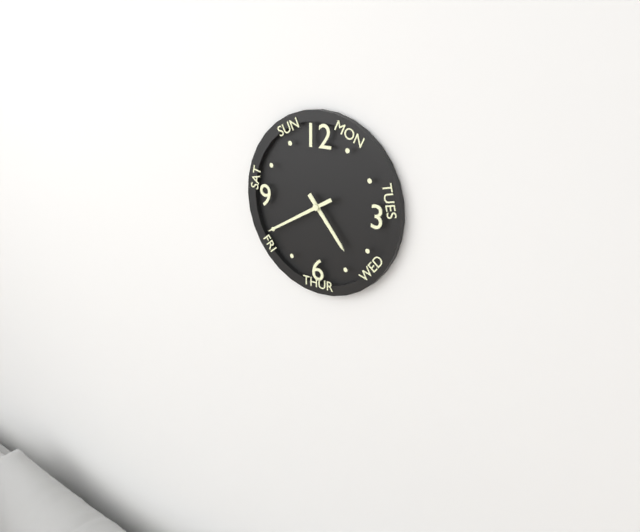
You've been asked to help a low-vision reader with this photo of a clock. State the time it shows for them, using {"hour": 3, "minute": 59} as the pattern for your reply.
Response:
{"hour": 4, "minute": 40}
